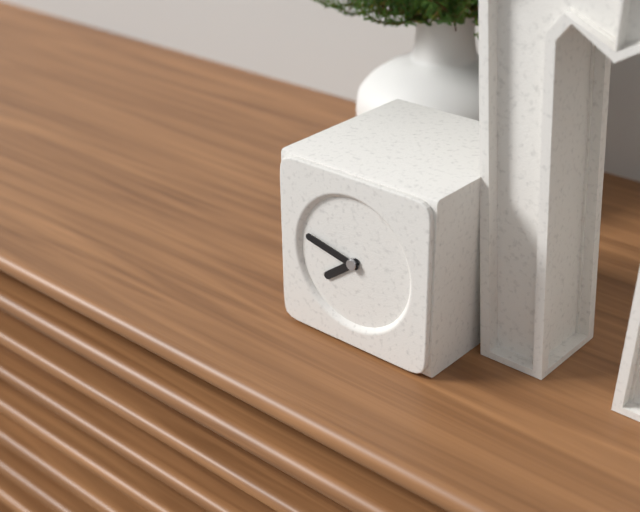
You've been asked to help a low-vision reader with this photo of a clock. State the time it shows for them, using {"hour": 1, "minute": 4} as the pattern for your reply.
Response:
{"hour": 7, "minute": 47}
